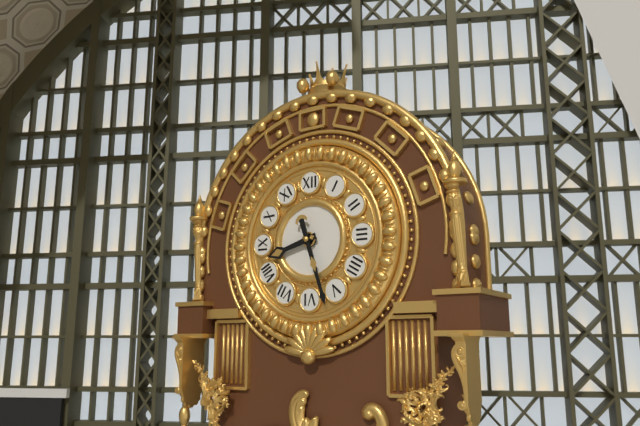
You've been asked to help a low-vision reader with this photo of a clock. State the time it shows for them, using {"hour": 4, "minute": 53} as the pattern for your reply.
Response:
{"hour": 8, "minute": 27}
